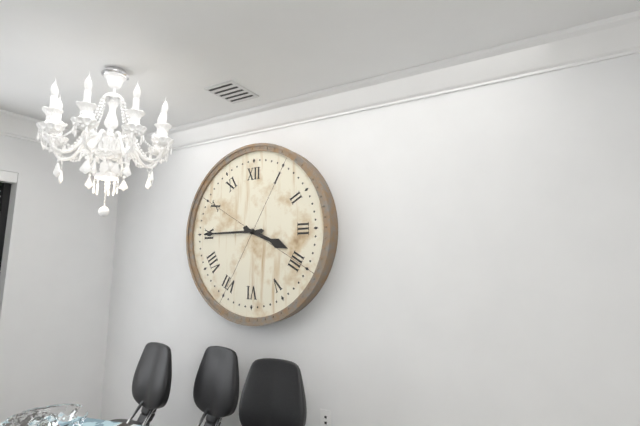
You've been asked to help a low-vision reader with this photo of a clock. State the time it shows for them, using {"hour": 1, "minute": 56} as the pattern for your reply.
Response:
{"hour": 3, "minute": 45}
